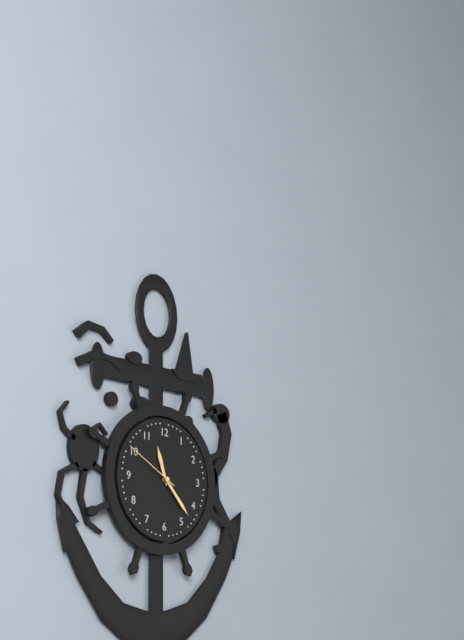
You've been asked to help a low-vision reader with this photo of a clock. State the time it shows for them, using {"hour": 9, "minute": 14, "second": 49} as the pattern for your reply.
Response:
{"hour": 11, "minute": 23, "second": 50}
